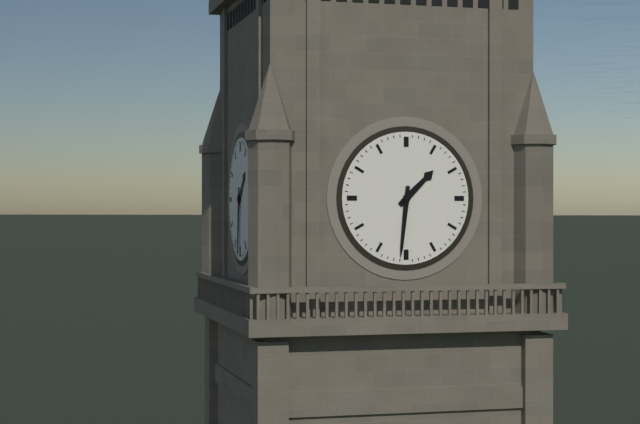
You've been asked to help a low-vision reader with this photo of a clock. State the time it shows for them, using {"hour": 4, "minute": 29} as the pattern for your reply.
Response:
{"hour": 1, "minute": 31}
